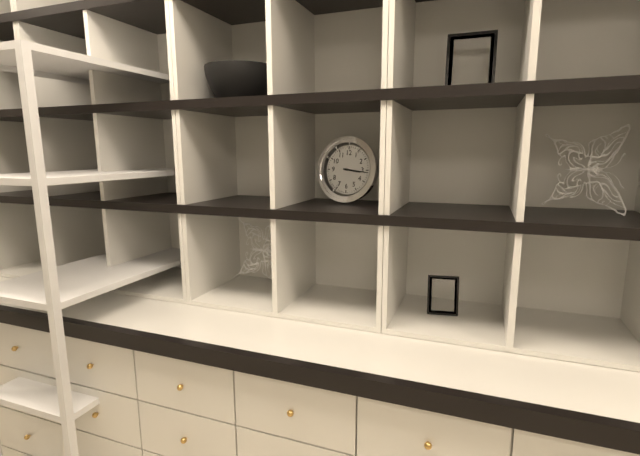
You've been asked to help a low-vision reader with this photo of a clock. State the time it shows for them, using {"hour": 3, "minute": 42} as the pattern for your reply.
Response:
{"hour": 3, "minute": 16}
